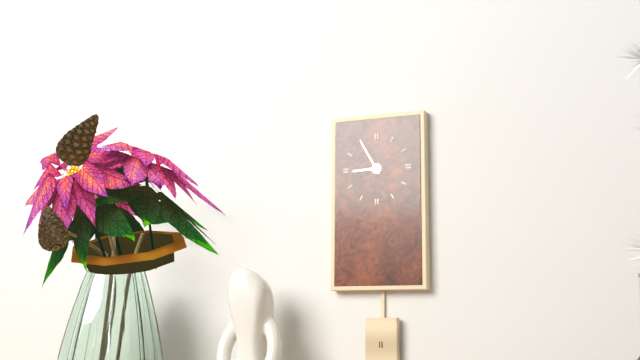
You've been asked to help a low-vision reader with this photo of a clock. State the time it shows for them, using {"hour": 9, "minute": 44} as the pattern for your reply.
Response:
{"hour": 8, "minute": 55}
